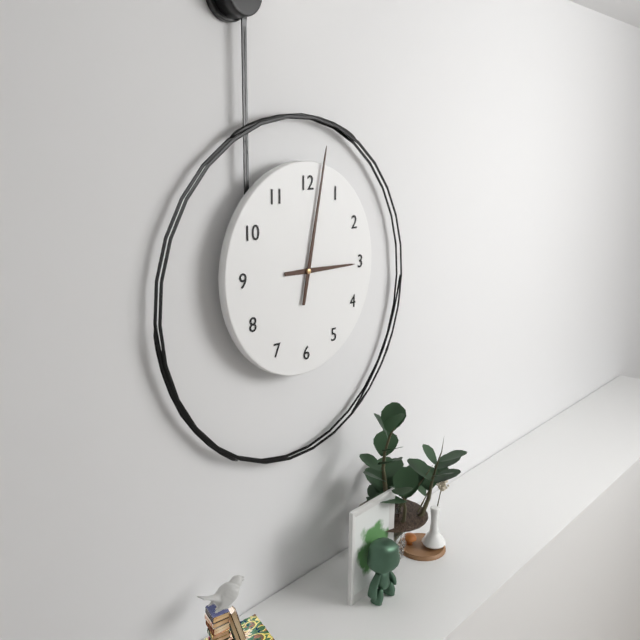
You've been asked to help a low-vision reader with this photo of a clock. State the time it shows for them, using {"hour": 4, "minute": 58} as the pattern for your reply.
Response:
{"hour": 3, "minute": 2}
